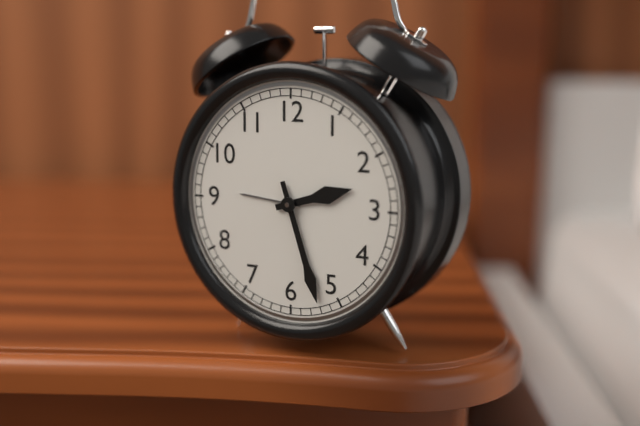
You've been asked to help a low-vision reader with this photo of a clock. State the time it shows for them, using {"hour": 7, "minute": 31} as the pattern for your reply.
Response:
{"hour": 2, "minute": 27}
